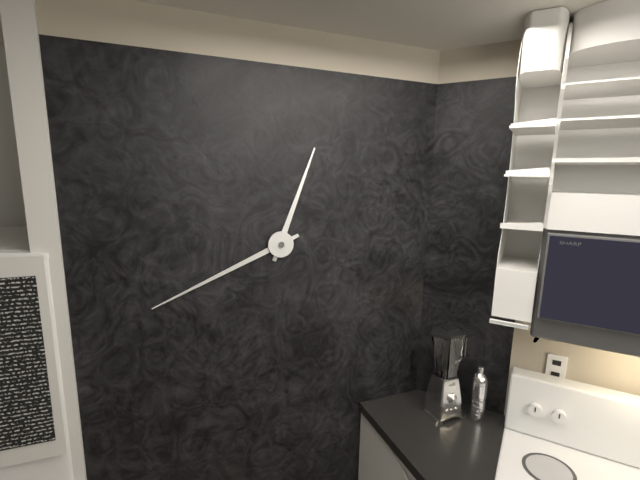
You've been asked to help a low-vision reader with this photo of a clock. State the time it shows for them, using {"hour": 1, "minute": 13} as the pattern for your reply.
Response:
{"hour": 12, "minute": 41}
